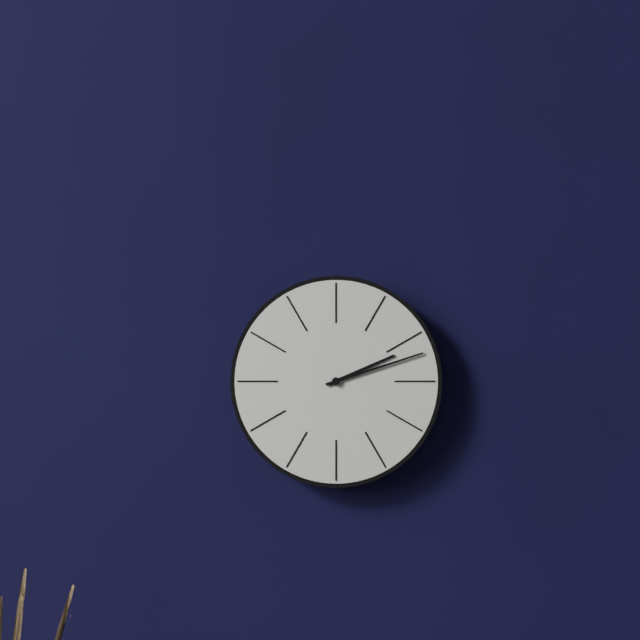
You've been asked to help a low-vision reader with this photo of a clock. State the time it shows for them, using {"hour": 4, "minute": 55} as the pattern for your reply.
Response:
{"hour": 2, "minute": 12}
